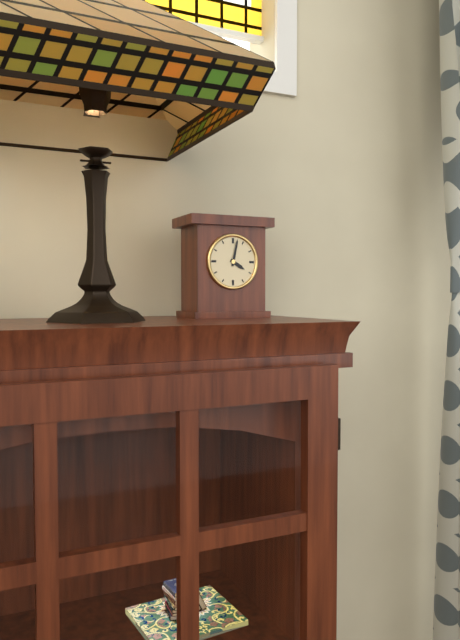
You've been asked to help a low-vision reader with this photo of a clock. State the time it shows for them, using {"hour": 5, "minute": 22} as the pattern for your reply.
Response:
{"hour": 4, "minute": 2}
